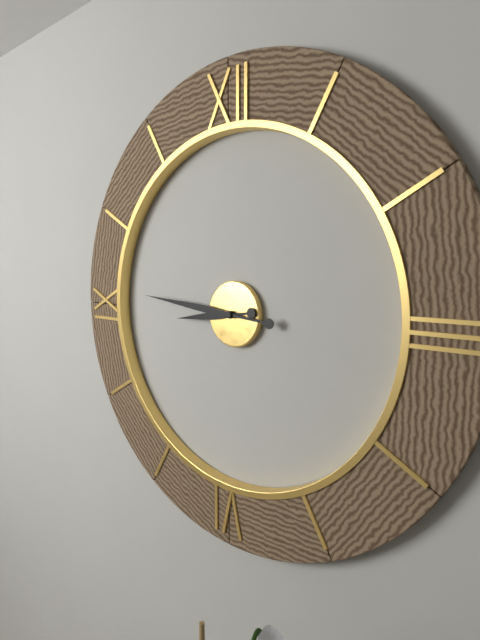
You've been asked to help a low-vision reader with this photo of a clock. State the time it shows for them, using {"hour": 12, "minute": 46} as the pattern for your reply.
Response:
{"hour": 8, "minute": 46}
